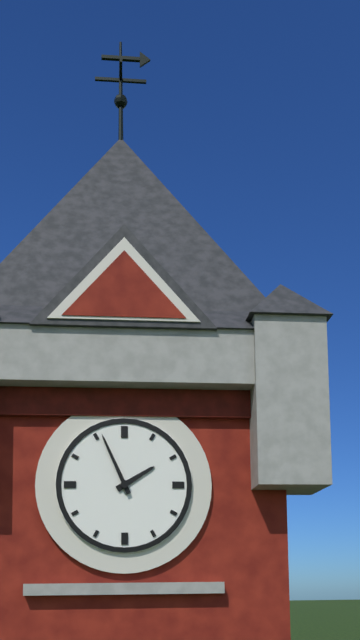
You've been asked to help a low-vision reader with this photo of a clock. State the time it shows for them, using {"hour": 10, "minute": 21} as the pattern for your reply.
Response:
{"hour": 1, "minute": 56}
